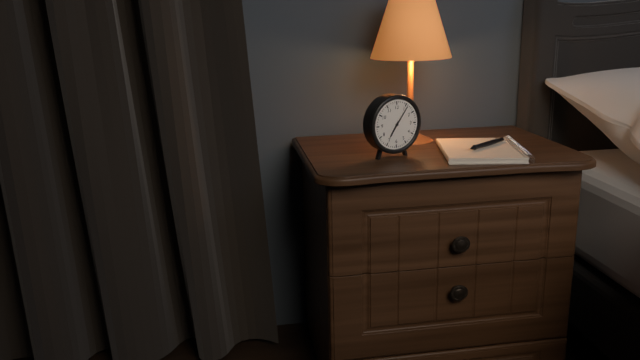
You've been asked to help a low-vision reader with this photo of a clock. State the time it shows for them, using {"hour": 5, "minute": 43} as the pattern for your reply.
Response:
{"hour": 7, "minute": 6}
